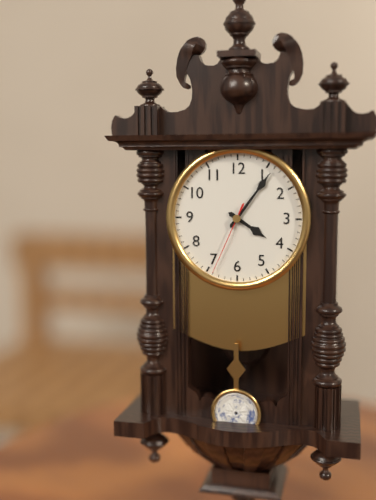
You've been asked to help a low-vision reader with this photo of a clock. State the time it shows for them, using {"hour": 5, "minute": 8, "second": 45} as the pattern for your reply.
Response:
{"hour": 4, "minute": 6, "second": 34}
